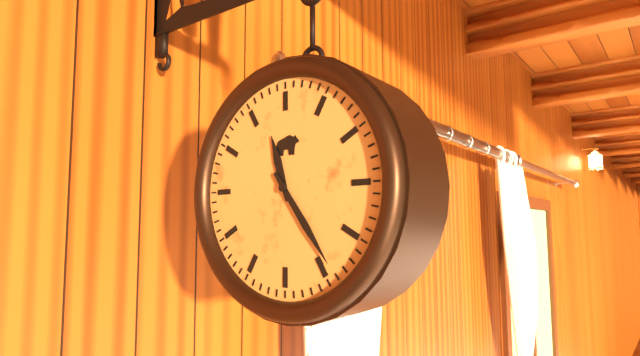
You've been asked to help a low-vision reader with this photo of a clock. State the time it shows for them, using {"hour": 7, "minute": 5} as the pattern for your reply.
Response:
{"hour": 11, "minute": 24}
